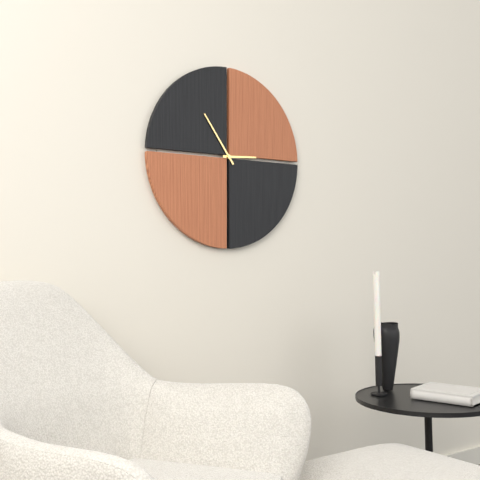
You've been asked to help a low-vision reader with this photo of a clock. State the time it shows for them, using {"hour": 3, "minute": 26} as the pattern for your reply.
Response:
{"hour": 2, "minute": 54}
